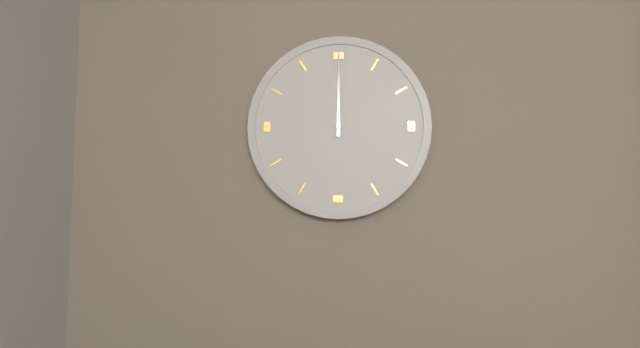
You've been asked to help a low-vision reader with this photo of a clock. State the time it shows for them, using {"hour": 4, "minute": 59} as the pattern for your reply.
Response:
{"hour": 12, "minute": 0}
